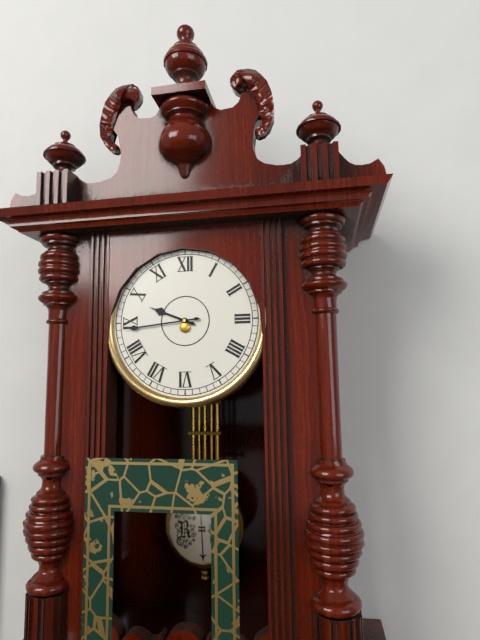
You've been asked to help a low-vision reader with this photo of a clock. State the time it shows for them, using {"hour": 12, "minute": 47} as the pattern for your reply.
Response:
{"hour": 9, "minute": 44}
